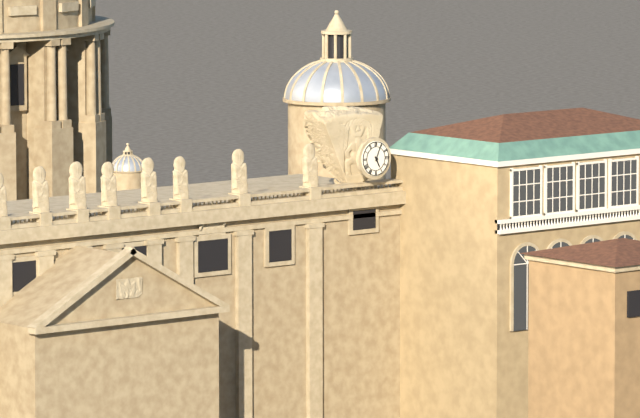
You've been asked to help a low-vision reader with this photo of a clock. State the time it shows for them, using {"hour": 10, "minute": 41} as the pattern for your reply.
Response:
{"hour": 5, "minute": 4}
